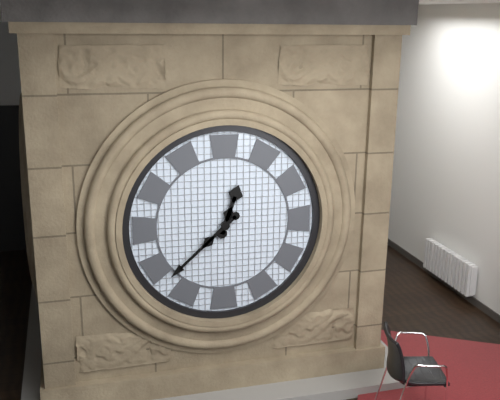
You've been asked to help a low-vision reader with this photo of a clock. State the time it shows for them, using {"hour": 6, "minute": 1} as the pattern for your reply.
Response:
{"hour": 12, "minute": 38}
